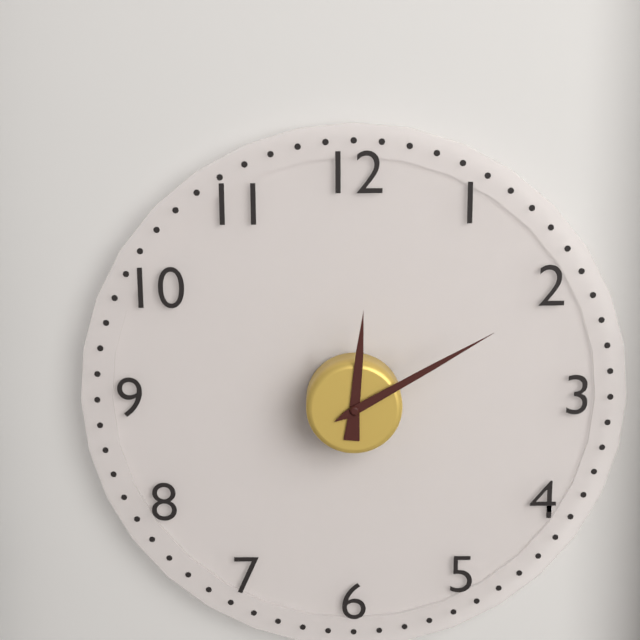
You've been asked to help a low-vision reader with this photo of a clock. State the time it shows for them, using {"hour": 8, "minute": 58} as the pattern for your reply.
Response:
{"hour": 12, "minute": 10}
